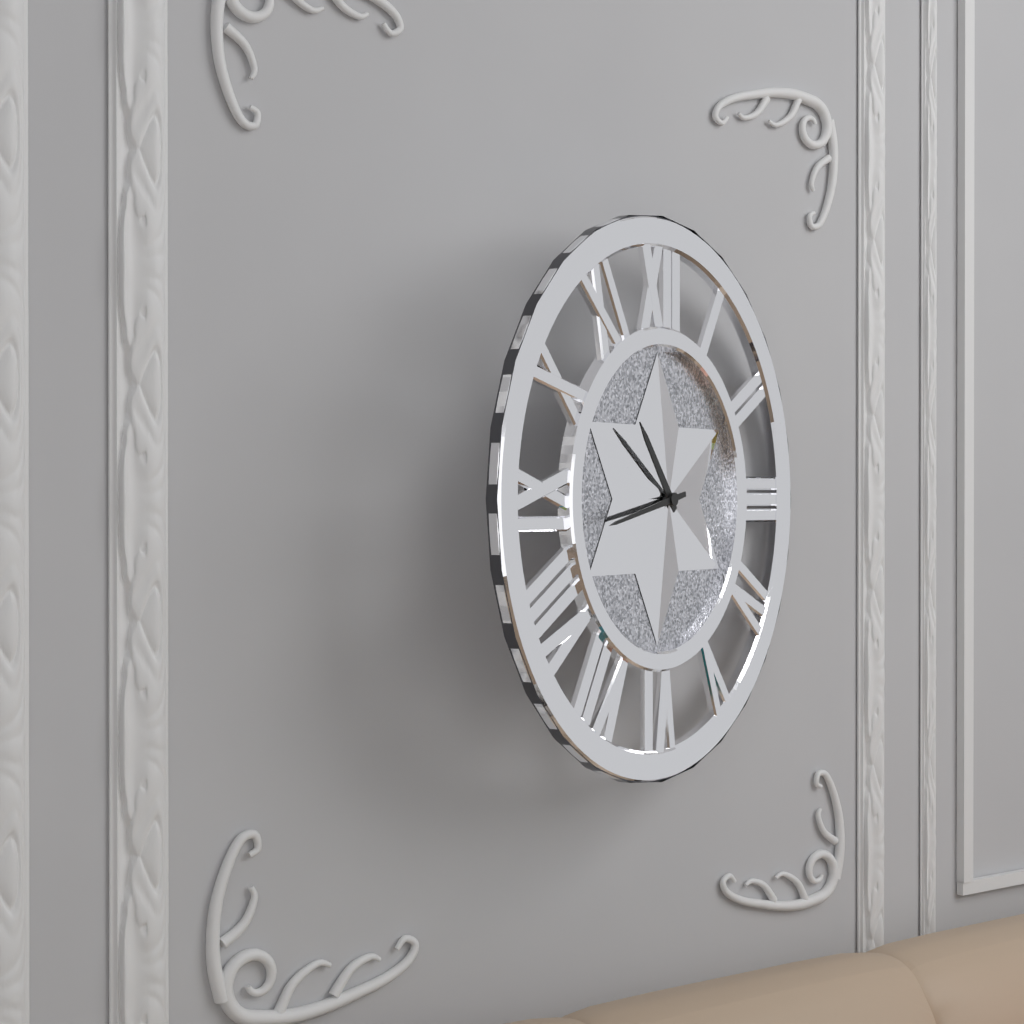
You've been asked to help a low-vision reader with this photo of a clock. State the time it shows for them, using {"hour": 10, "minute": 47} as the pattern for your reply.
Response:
{"hour": 10, "minute": 43}
